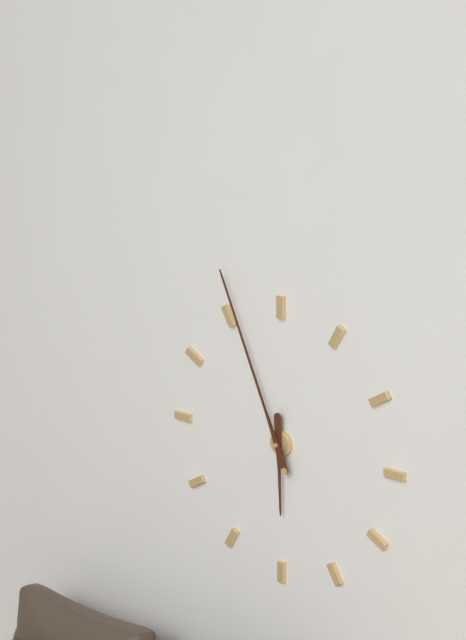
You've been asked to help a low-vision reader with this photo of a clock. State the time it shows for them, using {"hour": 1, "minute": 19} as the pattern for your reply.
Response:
{"hour": 5, "minute": 56}
